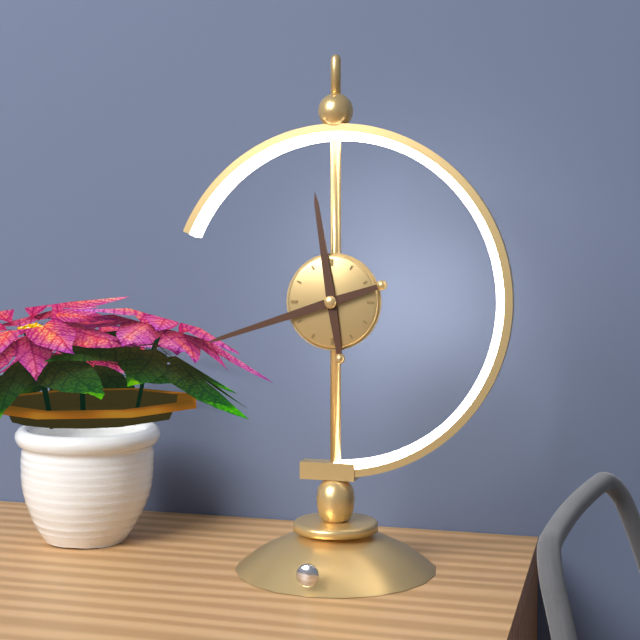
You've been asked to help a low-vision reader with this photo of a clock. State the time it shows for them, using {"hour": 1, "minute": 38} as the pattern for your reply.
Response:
{"hour": 11, "minute": 42}
